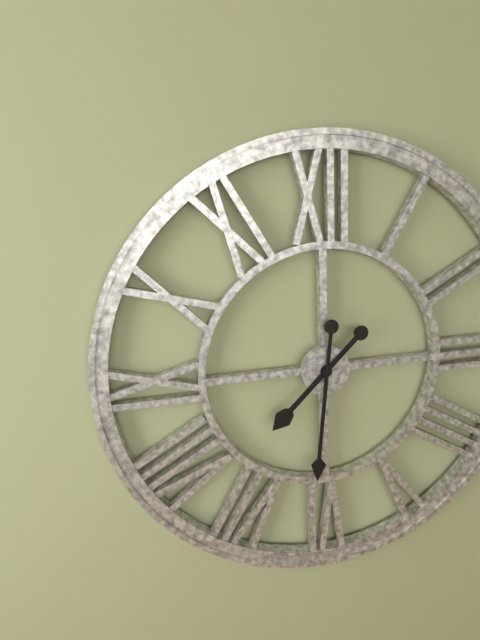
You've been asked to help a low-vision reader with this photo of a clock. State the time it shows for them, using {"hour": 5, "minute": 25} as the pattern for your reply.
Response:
{"hour": 7, "minute": 31}
